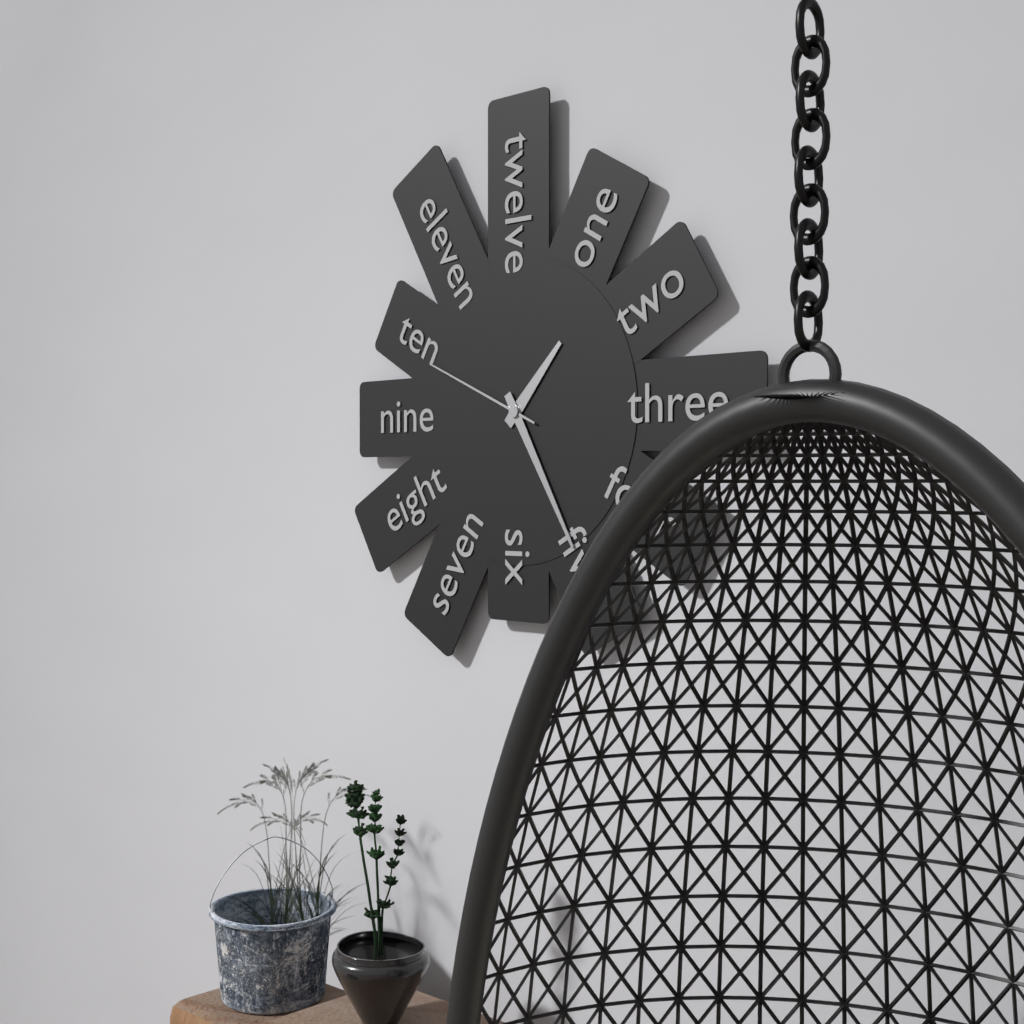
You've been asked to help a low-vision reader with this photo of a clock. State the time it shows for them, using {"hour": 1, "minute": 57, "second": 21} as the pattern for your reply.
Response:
{"hour": 1, "minute": 25, "second": 49}
